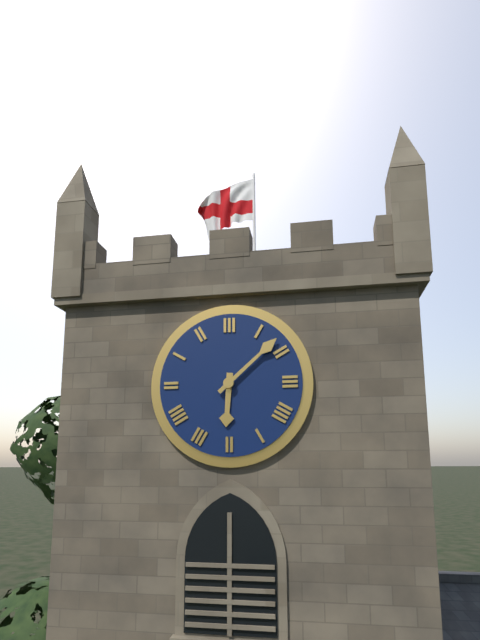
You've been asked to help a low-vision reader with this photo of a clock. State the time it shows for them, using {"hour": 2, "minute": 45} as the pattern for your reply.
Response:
{"hour": 6, "minute": 8}
